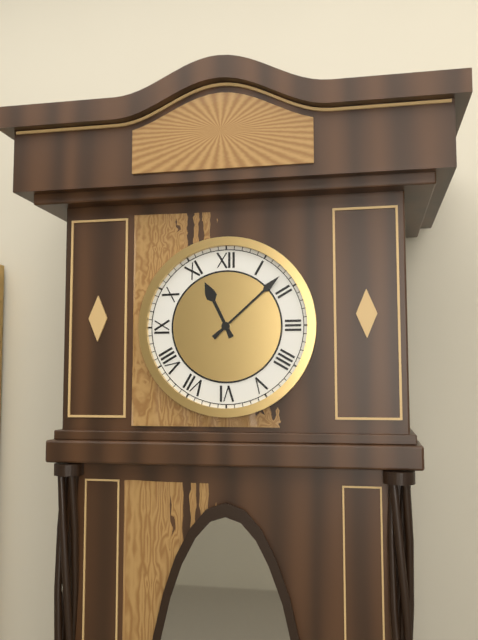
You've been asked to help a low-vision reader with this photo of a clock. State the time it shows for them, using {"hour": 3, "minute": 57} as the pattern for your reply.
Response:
{"hour": 11, "minute": 8}
